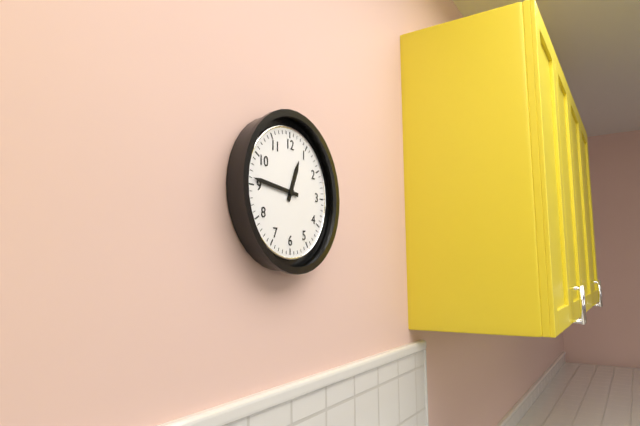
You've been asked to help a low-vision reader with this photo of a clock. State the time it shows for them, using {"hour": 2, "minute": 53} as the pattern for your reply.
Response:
{"hour": 12, "minute": 46}
